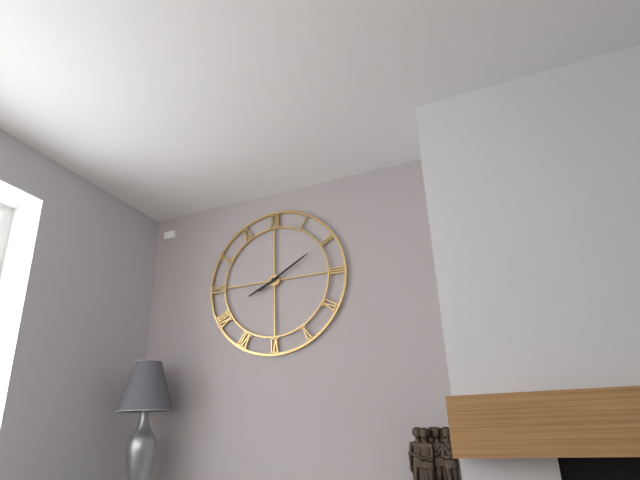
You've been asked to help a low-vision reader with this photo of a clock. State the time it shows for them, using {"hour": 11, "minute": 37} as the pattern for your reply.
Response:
{"hour": 8, "minute": 10}
